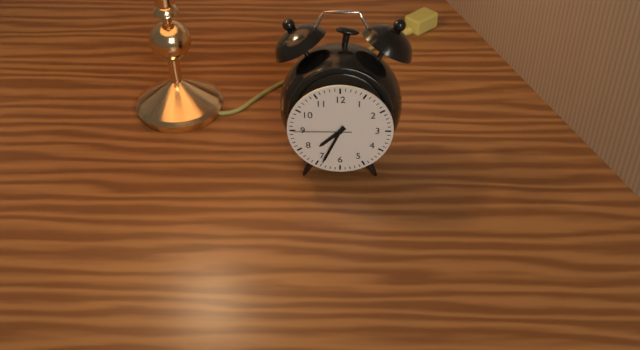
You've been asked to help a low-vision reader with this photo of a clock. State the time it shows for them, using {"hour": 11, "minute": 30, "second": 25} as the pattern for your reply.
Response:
{"hour": 7, "minute": 34, "second": 45}
